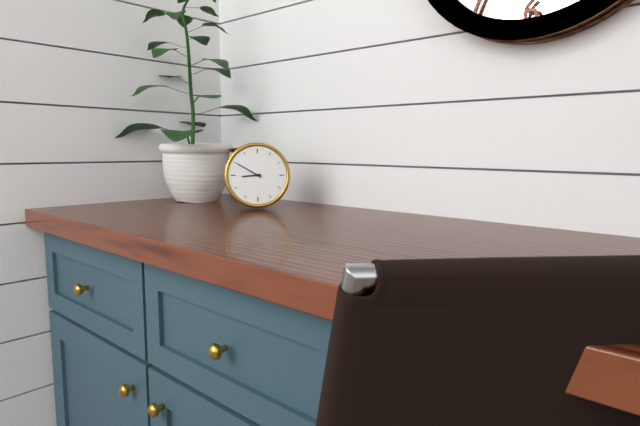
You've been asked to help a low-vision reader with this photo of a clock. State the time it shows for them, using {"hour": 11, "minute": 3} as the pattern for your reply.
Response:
{"hour": 8, "minute": 50}
